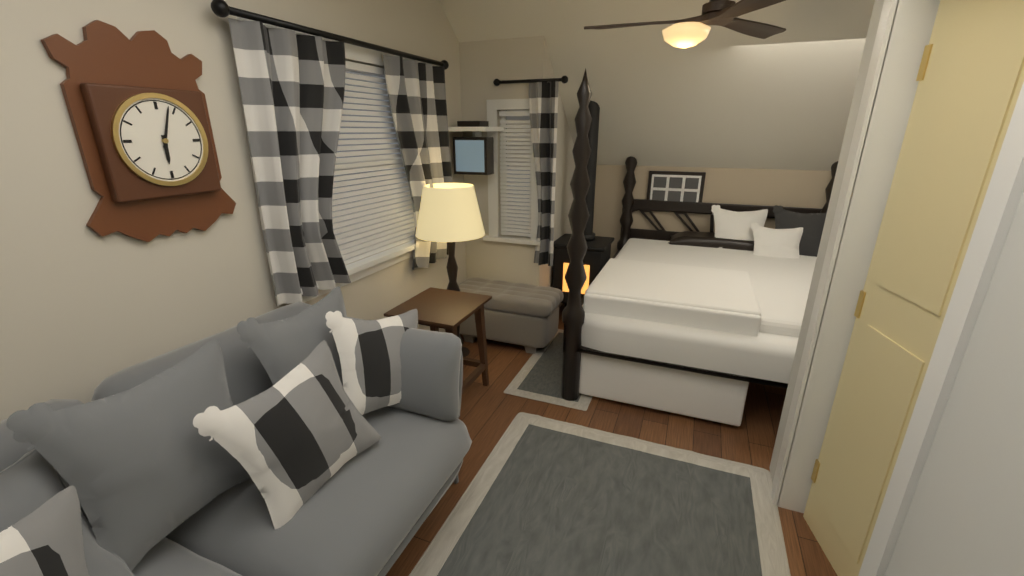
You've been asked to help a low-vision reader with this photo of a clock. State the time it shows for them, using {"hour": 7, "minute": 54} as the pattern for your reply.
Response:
{"hour": 6, "minute": 3}
